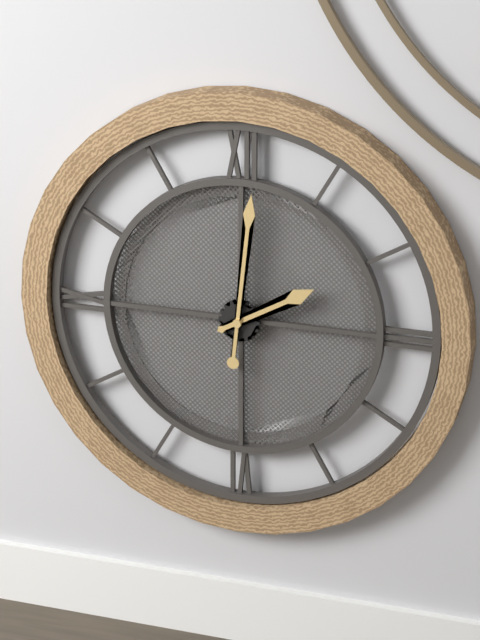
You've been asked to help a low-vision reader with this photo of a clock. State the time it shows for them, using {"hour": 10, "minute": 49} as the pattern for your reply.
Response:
{"hour": 2, "minute": 1}
